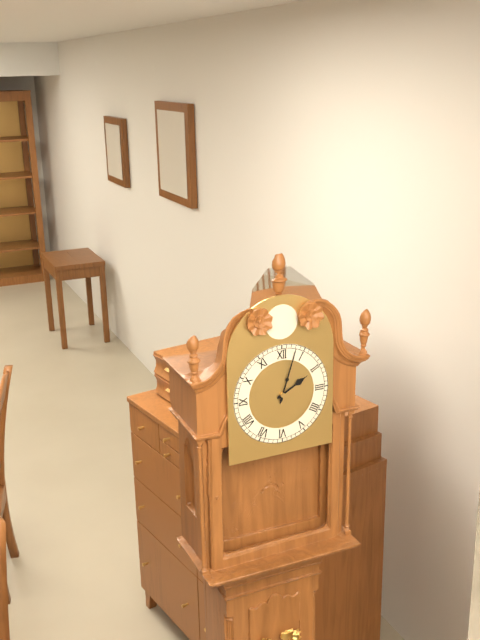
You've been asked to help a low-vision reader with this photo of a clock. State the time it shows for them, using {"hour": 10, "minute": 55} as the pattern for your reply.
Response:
{"hour": 2, "minute": 3}
